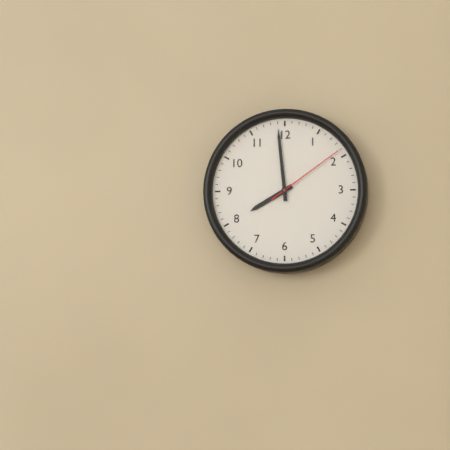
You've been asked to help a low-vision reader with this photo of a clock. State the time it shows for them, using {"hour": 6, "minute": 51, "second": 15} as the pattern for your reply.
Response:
{"hour": 7, "minute": 59, "second": 9}
